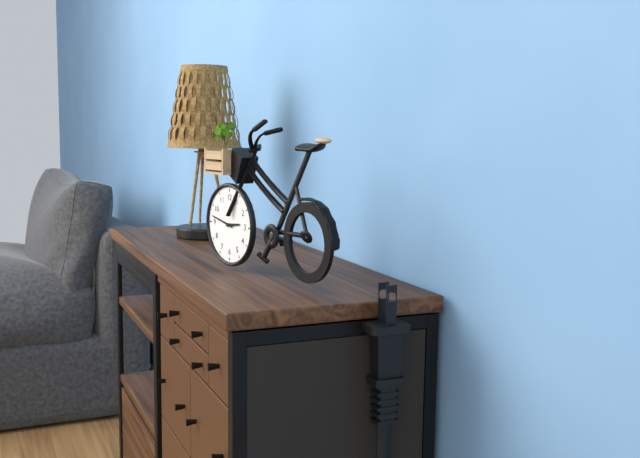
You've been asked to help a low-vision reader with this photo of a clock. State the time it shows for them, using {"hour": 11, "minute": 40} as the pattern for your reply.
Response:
{"hour": 2, "minute": 47}
